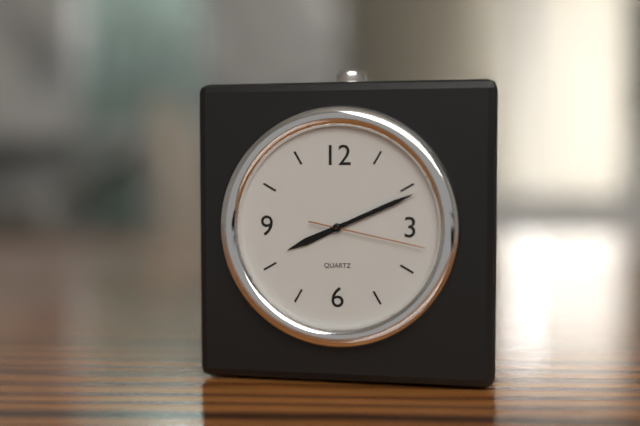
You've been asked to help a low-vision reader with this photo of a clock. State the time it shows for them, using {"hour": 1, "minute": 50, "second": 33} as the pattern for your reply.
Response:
{"hour": 8, "minute": 11, "second": 17}
